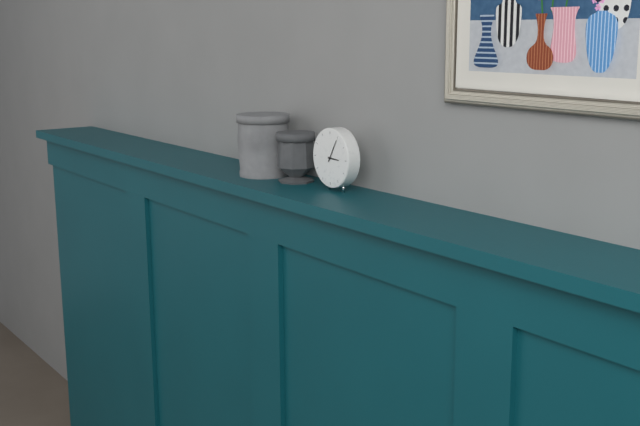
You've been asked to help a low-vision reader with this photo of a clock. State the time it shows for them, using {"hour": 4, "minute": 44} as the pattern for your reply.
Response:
{"hour": 3, "minute": 5}
